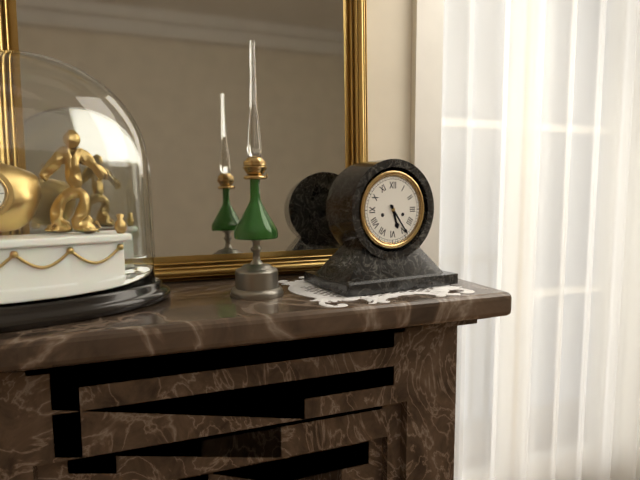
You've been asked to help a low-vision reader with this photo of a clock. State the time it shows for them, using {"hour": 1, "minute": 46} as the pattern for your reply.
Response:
{"hour": 5, "minute": 24}
